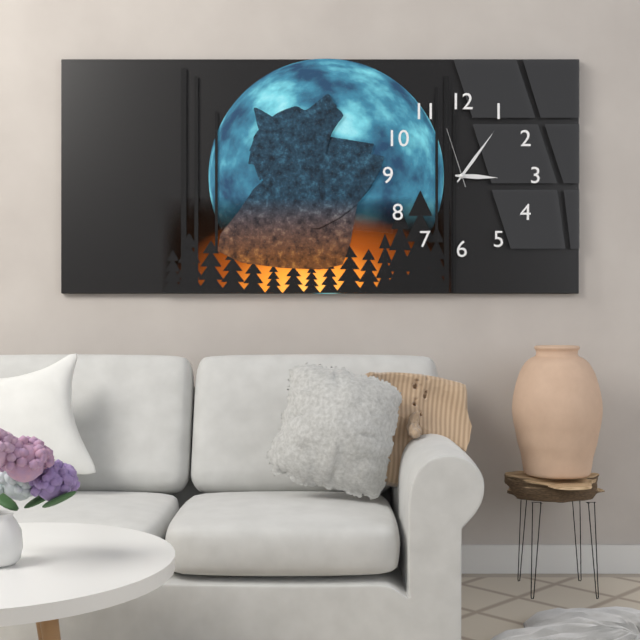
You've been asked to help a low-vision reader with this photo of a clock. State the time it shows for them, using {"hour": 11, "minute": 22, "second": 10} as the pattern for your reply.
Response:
{"hour": 3, "minute": 6, "second": 57}
